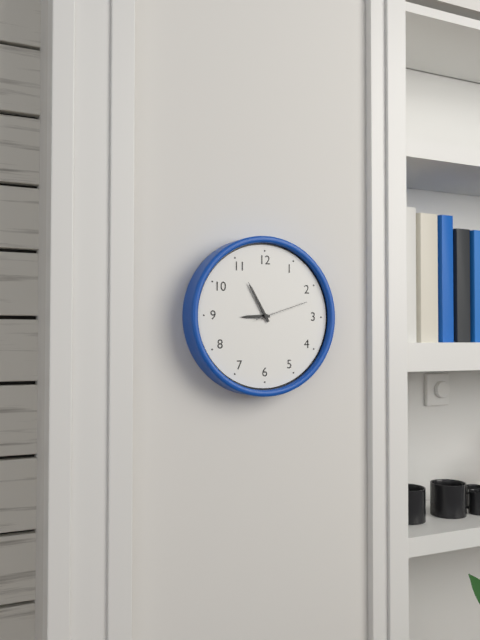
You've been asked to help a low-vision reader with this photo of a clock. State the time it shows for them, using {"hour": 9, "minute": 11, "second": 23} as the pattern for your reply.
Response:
{"hour": 8, "minute": 55, "second": 12}
